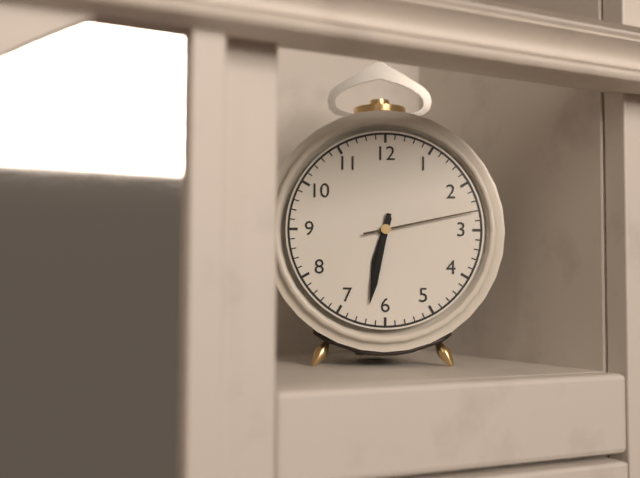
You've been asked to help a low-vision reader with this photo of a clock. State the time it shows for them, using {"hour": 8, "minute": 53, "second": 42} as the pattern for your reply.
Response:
{"hour": 6, "minute": 32, "second": 13}
